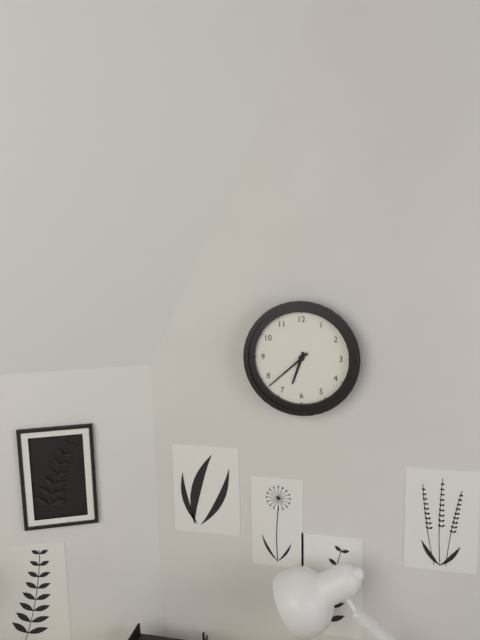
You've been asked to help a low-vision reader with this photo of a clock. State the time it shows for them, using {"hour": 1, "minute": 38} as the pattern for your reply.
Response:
{"hour": 6, "minute": 38}
